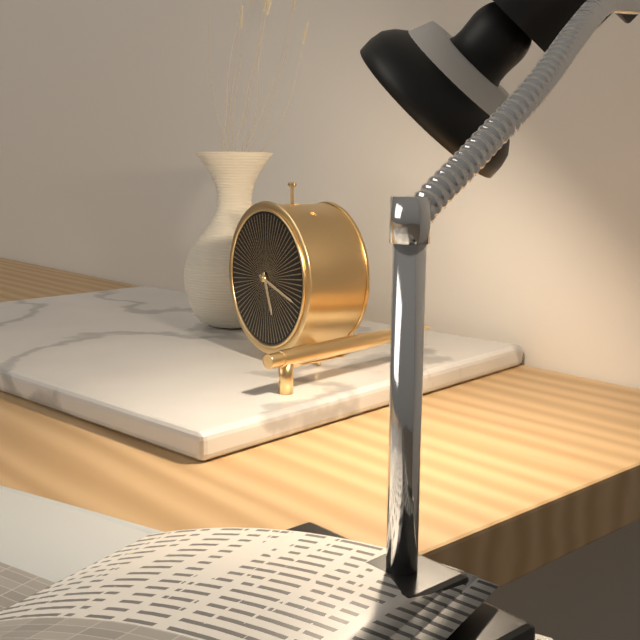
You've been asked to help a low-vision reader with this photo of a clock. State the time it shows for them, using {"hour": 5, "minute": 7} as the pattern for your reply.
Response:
{"hour": 5, "minute": 18}
